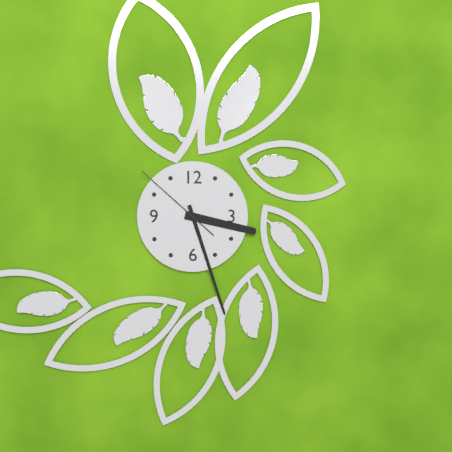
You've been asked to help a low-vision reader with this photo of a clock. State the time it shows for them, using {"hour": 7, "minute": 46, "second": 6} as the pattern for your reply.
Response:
{"hour": 3, "minute": 27, "second": 52}
